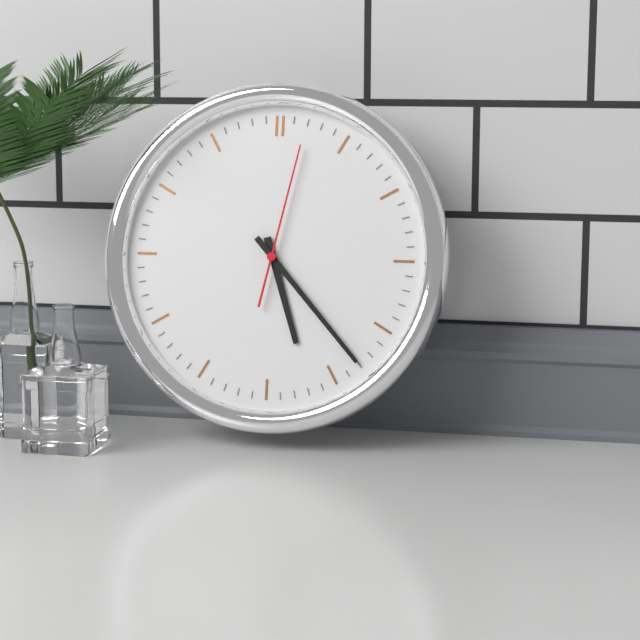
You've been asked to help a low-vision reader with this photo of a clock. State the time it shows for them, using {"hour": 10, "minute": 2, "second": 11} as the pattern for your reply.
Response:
{"hour": 5, "minute": 23, "second": 2}
